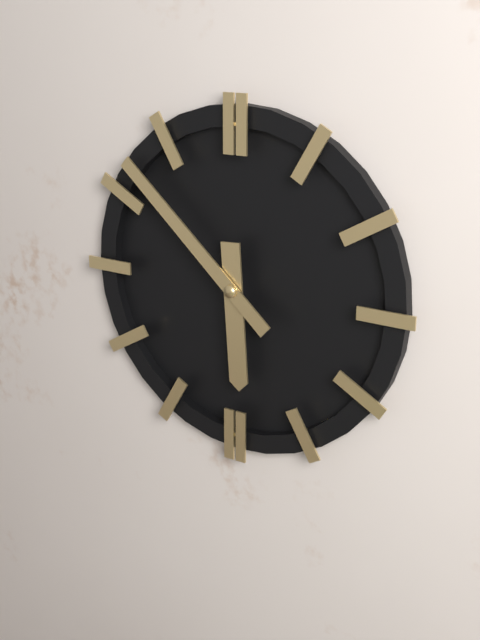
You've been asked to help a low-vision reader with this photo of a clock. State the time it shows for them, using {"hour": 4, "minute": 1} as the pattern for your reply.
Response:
{"hour": 5, "minute": 52}
